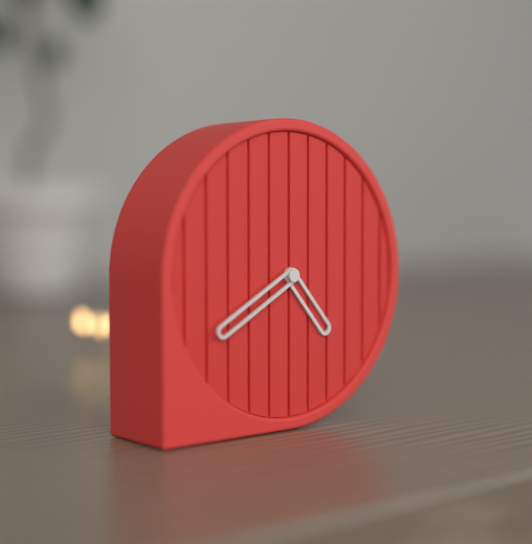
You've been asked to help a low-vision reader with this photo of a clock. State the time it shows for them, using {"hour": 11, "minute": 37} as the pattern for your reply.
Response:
{"hour": 4, "minute": 40}
